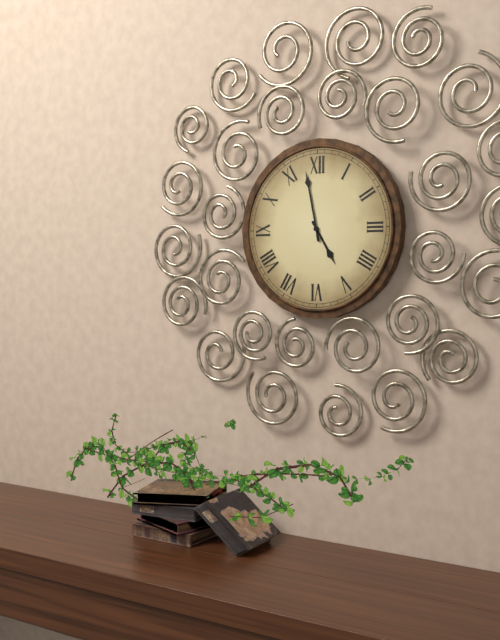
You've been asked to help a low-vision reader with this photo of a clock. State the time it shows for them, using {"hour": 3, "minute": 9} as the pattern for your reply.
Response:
{"hour": 4, "minute": 58}
